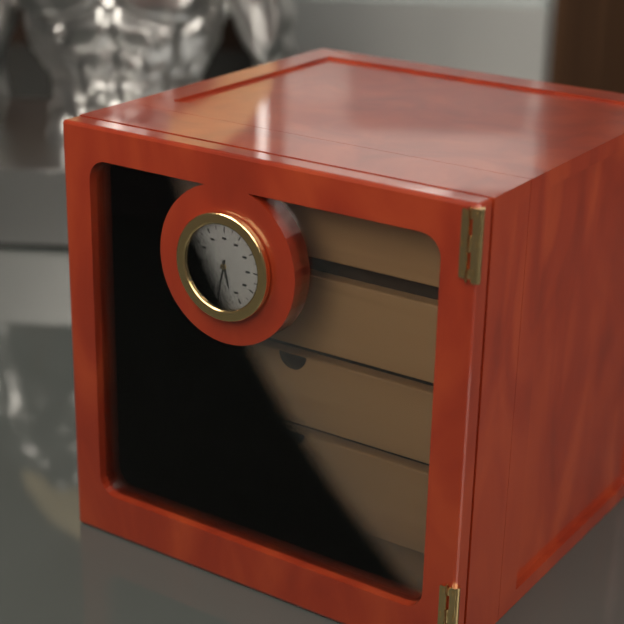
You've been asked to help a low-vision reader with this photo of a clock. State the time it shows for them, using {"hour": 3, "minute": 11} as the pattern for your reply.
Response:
{"hour": 5, "minute": 32}
